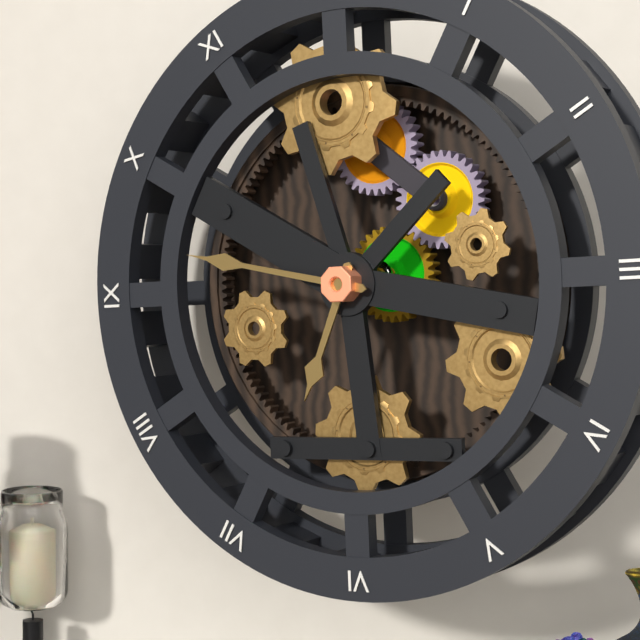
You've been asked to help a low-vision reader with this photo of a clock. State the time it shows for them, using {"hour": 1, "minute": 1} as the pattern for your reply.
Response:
{"hour": 6, "minute": 47}
